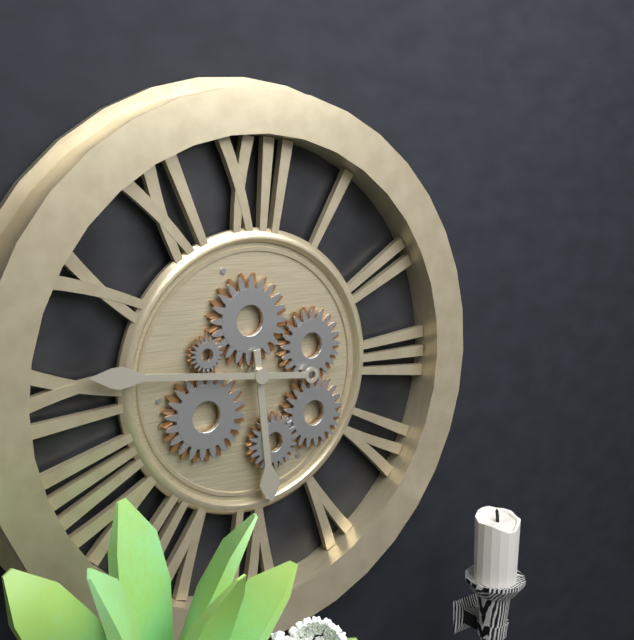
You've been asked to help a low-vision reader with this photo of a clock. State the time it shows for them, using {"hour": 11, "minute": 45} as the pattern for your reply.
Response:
{"hour": 5, "minute": 46}
